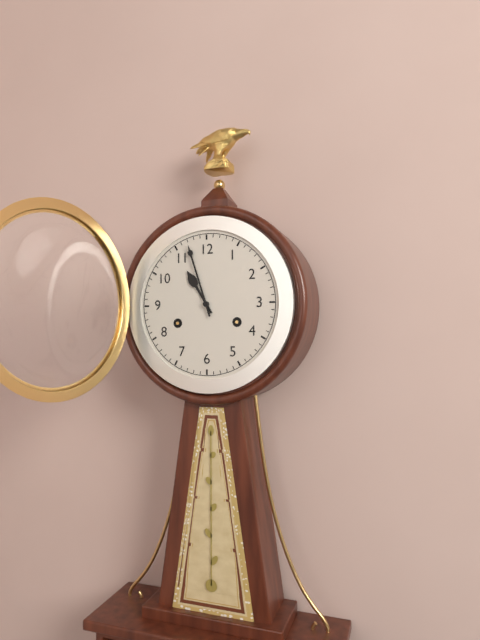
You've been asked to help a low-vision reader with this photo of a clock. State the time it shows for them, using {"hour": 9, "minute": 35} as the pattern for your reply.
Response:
{"hour": 10, "minute": 57}
